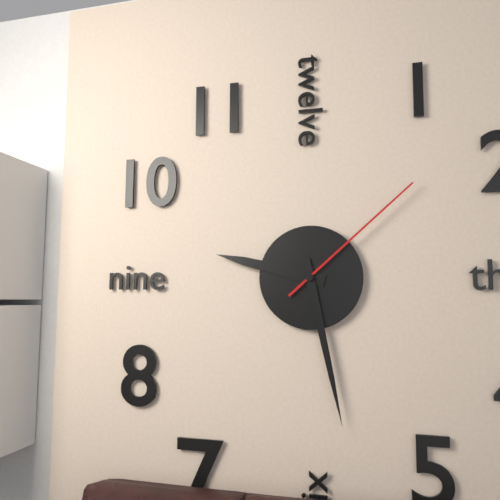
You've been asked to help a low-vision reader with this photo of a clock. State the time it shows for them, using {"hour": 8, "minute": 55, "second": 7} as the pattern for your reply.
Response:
{"hour": 9, "minute": 28, "second": 8}
